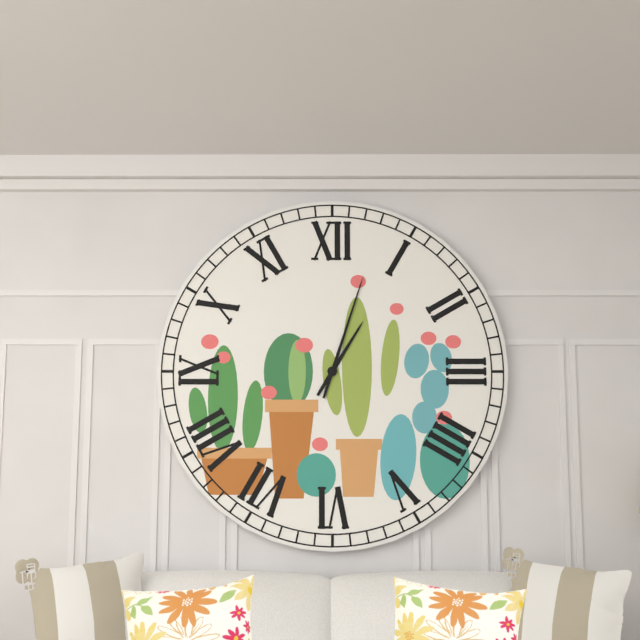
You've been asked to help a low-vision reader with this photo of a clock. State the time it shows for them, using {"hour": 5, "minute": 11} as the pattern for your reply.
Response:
{"hour": 1, "minute": 3}
